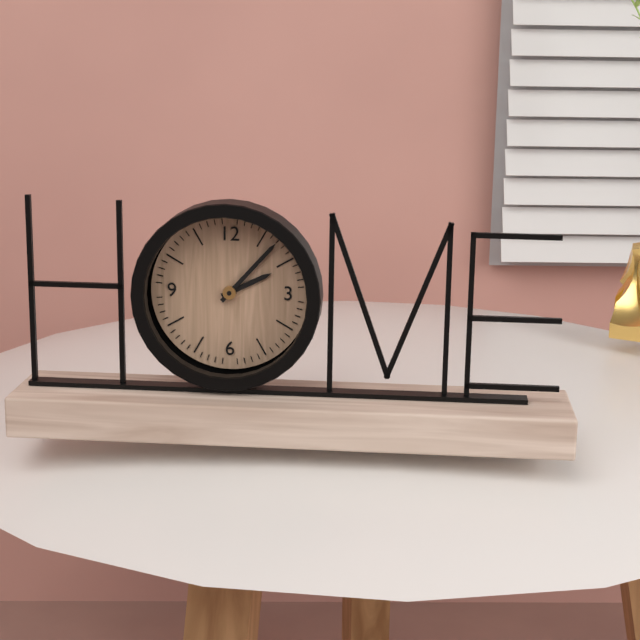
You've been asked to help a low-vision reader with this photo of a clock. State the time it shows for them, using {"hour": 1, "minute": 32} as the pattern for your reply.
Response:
{"hour": 2, "minute": 7}
